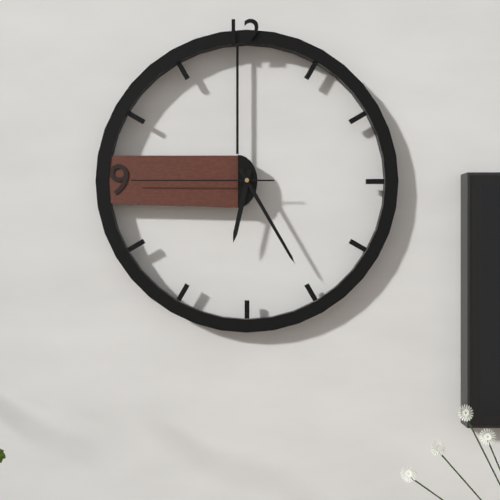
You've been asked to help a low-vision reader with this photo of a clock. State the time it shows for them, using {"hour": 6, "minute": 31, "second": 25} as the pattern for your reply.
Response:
{"hour": 6, "minute": 25, "second": 45}
